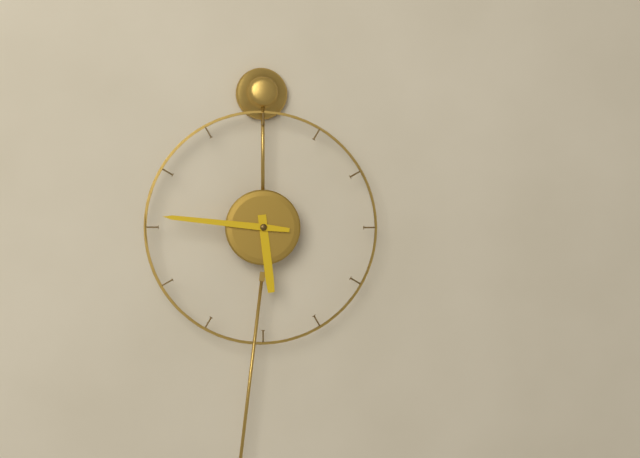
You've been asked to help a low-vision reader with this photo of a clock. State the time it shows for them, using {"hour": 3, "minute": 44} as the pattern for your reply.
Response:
{"hour": 5, "minute": 46}
